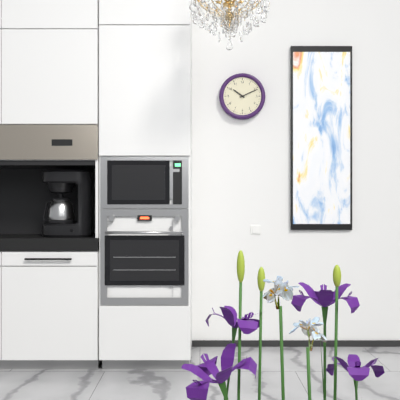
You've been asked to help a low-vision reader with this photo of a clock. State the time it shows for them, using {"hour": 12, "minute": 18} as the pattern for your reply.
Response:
{"hour": 10, "minute": 11}
